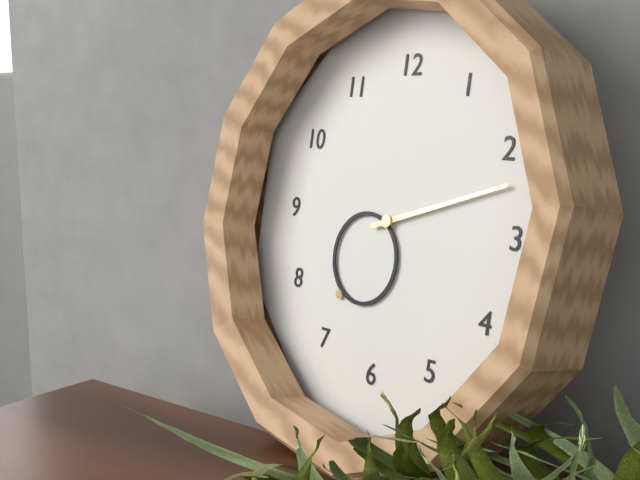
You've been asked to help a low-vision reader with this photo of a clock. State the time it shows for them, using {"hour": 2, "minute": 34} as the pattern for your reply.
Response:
{"hour": 7, "minute": 12}
